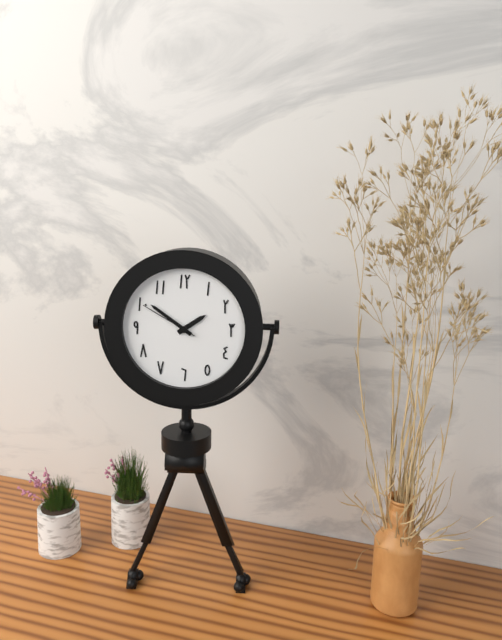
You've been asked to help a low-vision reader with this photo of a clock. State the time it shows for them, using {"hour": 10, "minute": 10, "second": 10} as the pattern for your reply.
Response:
{"hour": 1, "minute": 51, "second": 50}
